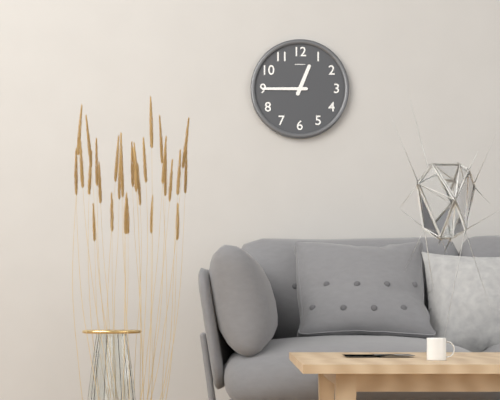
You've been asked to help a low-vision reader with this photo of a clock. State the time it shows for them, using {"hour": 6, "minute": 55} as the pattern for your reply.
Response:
{"hour": 12, "minute": 45}
